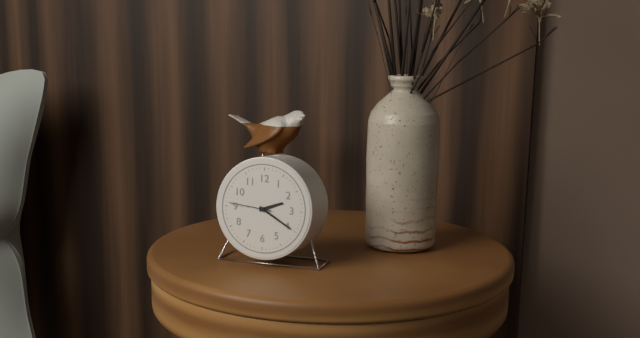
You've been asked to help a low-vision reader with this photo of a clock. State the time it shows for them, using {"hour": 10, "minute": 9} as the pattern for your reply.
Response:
{"hour": 2, "minute": 20}
